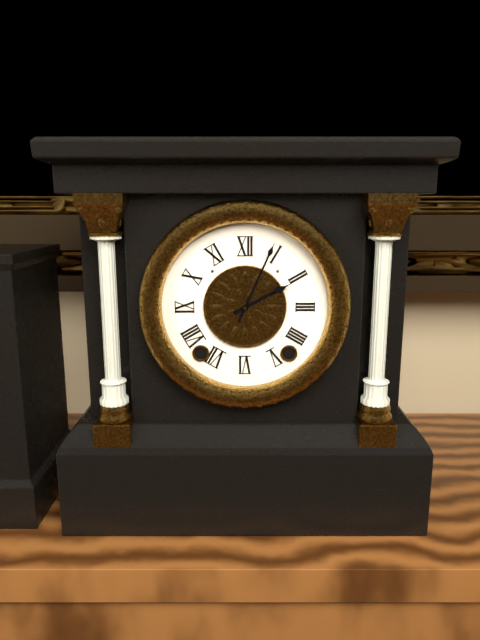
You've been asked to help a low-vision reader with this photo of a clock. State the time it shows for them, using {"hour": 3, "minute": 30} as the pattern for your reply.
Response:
{"hour": 2, "minute": 4}
